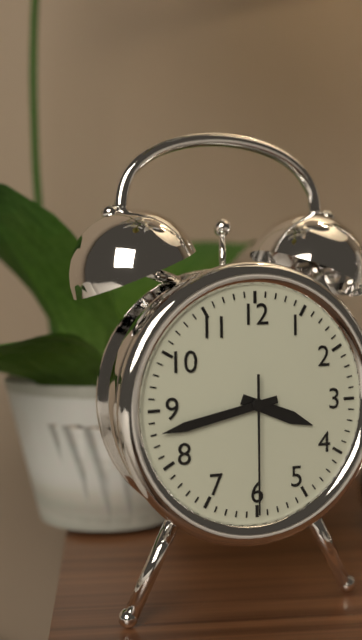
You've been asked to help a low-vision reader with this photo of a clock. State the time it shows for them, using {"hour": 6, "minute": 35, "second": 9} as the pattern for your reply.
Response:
{"hour": 3, "minute": 43, "second": 30}
